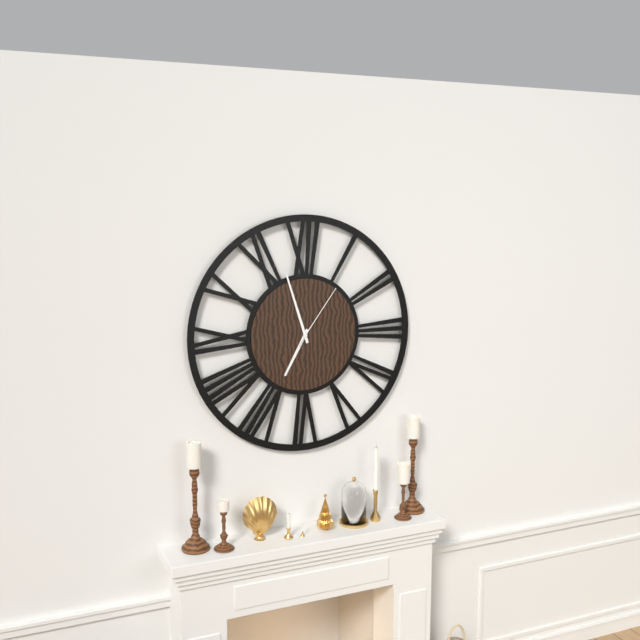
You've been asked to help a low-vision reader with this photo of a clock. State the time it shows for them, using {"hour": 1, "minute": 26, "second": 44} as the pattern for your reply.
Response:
{"hour": 6, "minute": 57, "second": 6}
